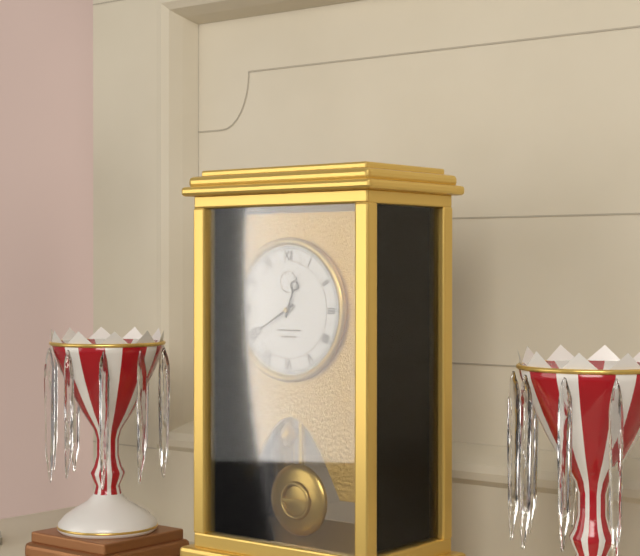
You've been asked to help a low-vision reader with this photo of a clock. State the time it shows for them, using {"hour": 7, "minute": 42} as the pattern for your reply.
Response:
{"hour": 12, "minute": 40}
